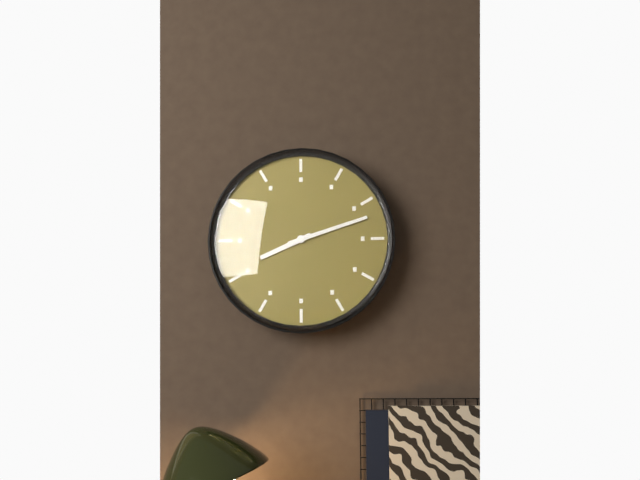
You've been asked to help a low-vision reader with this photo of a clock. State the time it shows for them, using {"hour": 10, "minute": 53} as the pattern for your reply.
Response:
{"hour": 8, "minute": 12}
